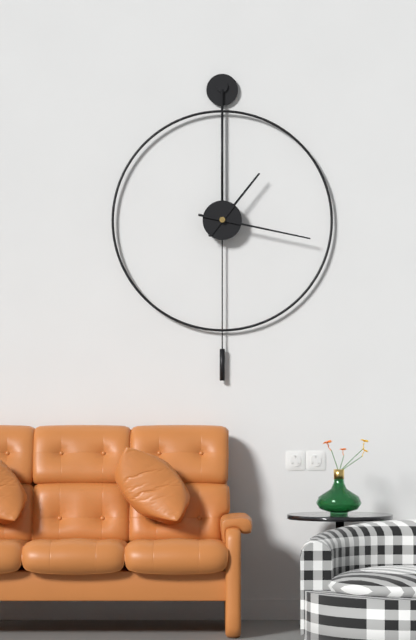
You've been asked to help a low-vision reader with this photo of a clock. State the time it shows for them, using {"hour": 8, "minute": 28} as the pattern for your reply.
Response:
{"hour": 1, "minute": 17}
